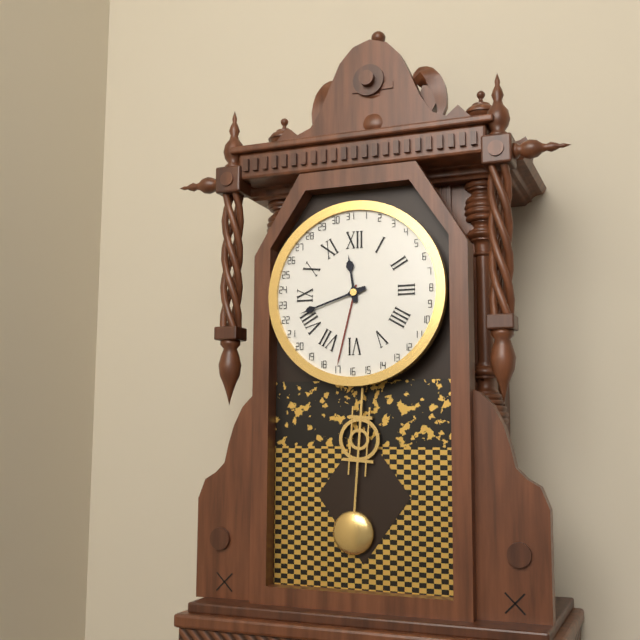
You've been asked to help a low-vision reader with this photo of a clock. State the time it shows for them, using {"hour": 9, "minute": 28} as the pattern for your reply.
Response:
{"hour": 11, "minute": 42}
